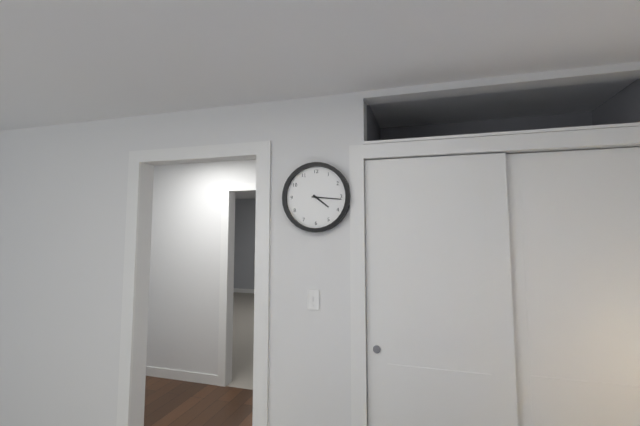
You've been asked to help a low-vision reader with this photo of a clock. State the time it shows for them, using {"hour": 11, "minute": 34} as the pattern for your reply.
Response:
{"hour": 4, "minute": 16}
